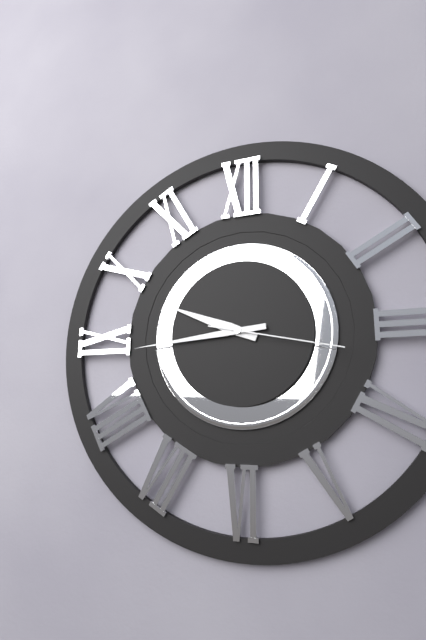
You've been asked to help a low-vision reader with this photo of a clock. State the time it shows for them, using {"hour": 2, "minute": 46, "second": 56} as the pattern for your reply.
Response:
{"hour": 9, "minute": 44, "second": 17}
